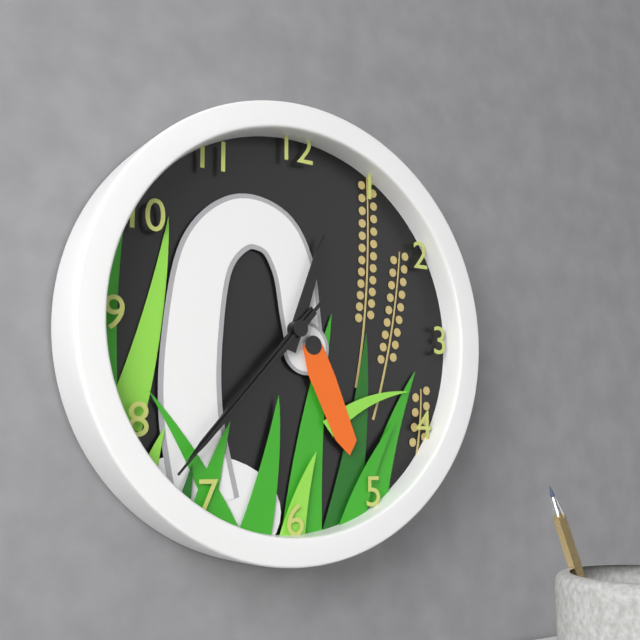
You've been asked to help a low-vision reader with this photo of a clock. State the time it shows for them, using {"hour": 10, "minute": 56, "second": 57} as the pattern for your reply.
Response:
{"hour": 12, "minute": 37, "second": 37}
